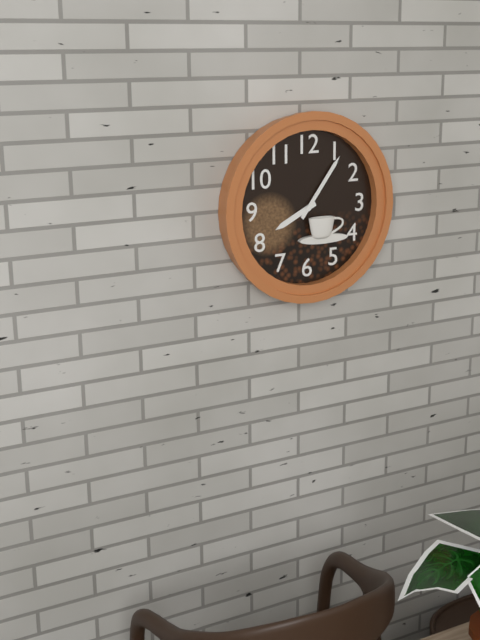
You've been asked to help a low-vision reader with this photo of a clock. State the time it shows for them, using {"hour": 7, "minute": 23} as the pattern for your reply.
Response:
{"hour": 8, "minute": 6}
